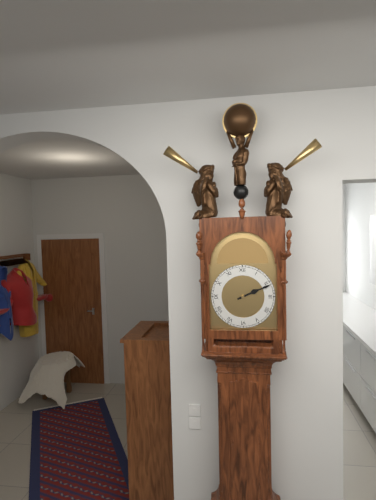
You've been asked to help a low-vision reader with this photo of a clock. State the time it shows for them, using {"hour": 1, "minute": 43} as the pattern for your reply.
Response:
{"hour": 2, "minute": 11}
